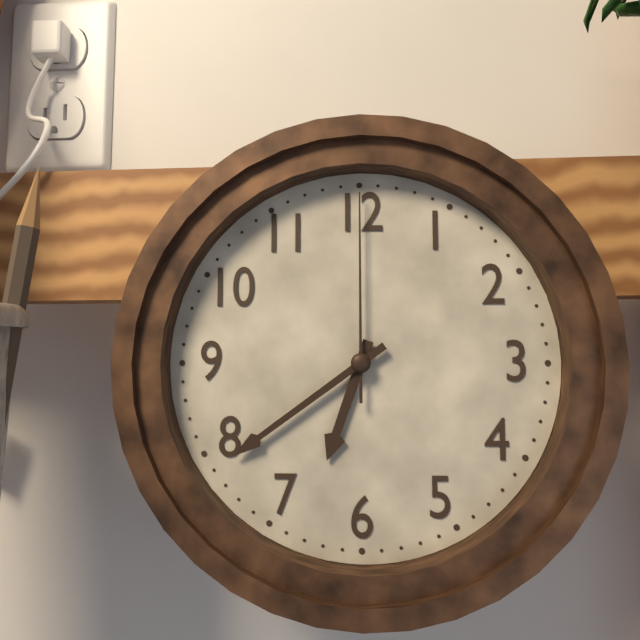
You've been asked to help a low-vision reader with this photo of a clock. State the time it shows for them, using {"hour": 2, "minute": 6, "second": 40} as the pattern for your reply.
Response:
{"hour": 6, "minute": 39, "second": 0}
